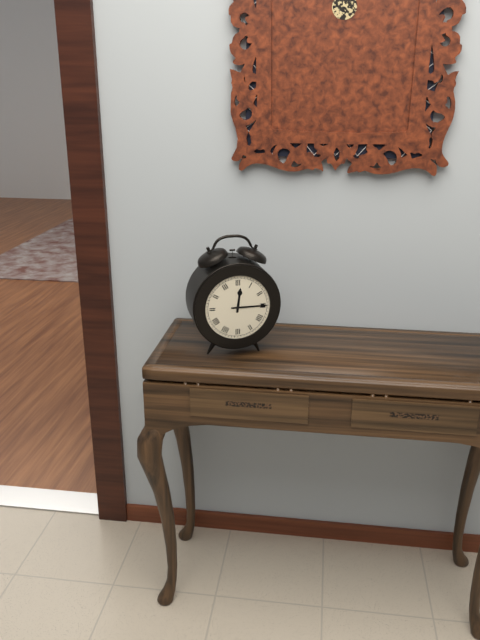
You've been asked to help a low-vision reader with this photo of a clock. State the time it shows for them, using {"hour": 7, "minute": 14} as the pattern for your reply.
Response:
{"hour": 12, "minute": 15}
